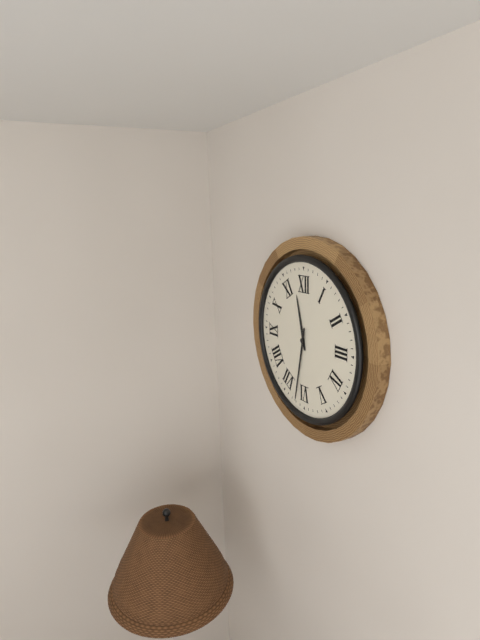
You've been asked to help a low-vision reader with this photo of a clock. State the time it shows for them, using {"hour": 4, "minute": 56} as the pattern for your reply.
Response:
{"hour": 11, "minute": 32}
